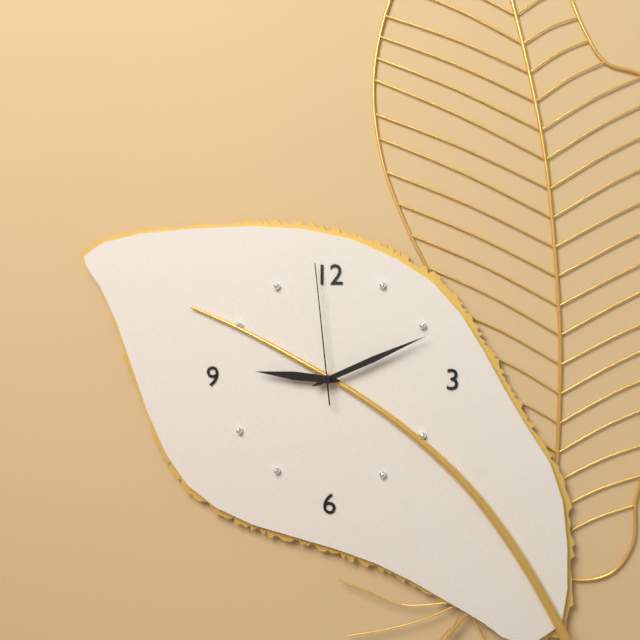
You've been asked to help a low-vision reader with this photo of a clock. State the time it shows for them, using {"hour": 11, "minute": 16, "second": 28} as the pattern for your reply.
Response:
{"hour": 9, "minute": 11, "second": 59}
